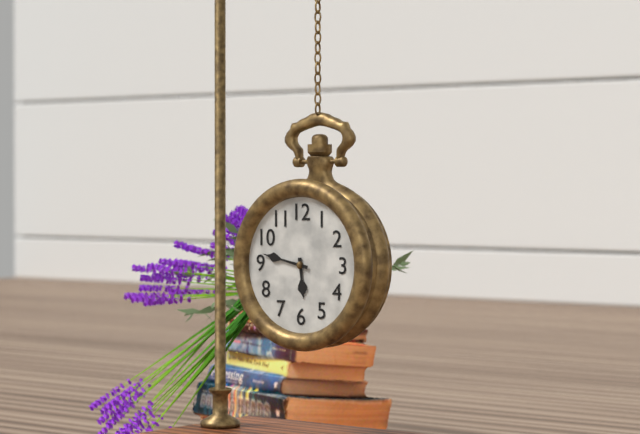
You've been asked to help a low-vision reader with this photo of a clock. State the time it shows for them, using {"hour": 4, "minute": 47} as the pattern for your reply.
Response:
{"hour": 5, "minute": 47}
